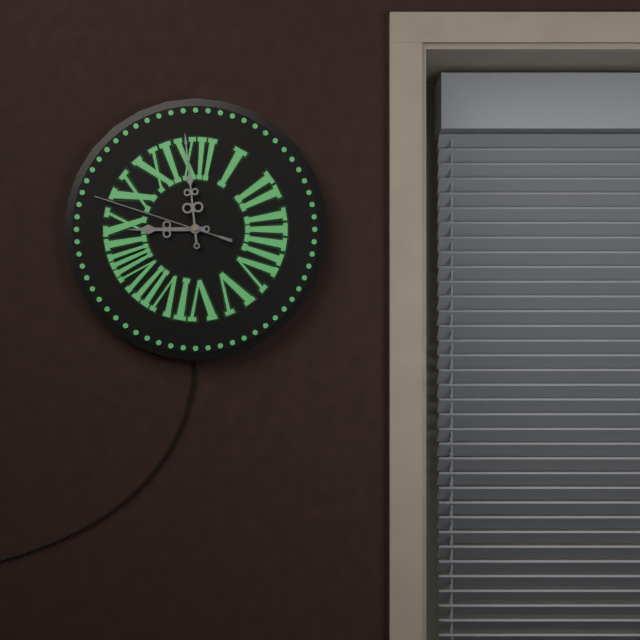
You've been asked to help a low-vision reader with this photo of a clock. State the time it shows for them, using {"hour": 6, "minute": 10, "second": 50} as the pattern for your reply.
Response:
{"hour": 8, "minute": 59, "second": 48}
